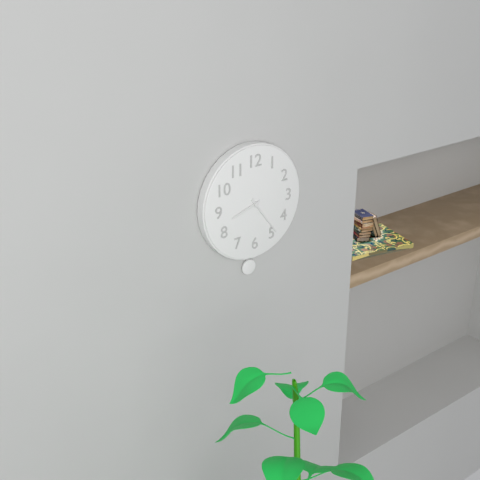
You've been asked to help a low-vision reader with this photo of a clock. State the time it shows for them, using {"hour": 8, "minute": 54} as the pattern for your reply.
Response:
{"hour": 8, "minute": 24}
